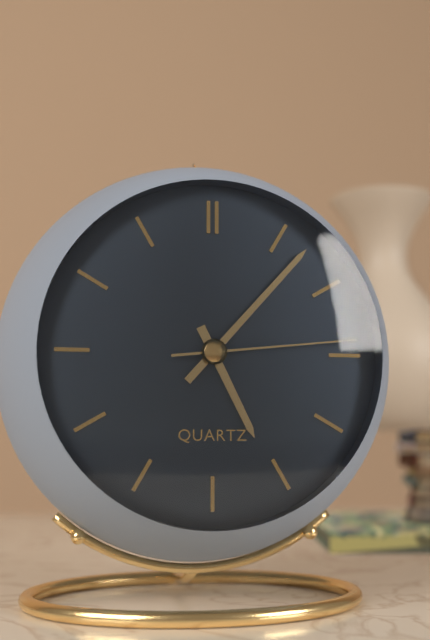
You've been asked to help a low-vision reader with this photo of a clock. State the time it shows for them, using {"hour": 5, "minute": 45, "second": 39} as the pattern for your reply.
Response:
{"hour": 5, "minute": 7, "second": 14}
